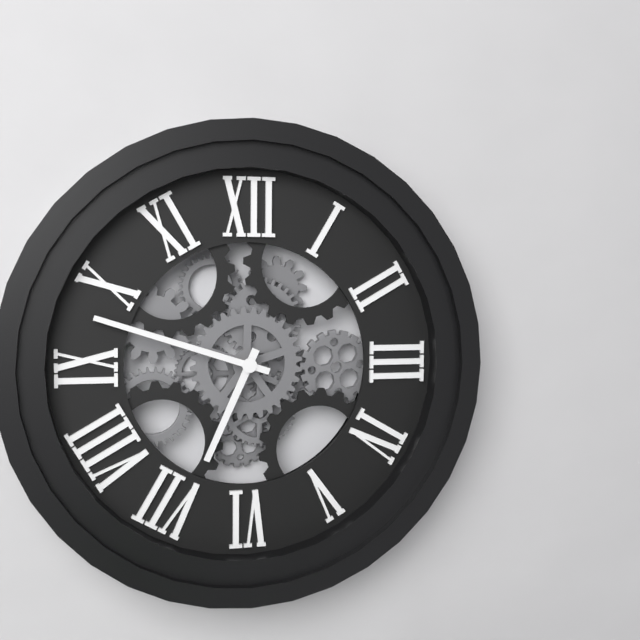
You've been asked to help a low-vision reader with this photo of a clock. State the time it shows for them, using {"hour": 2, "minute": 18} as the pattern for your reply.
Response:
{"hour": 6, "minute": 48}
